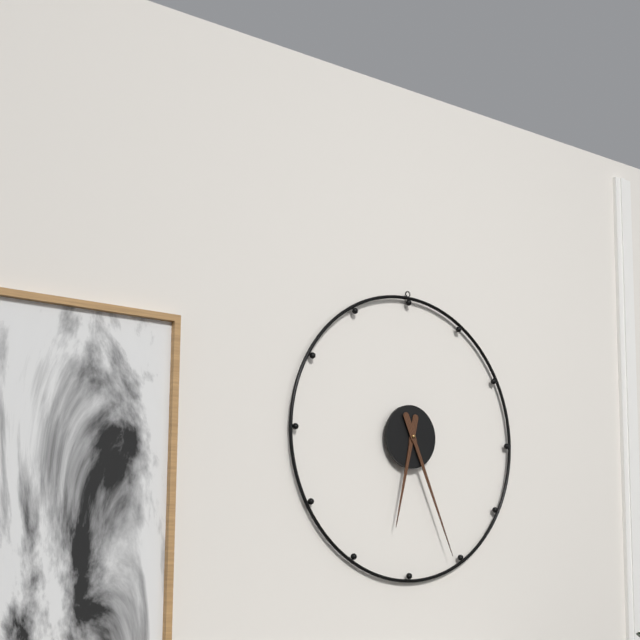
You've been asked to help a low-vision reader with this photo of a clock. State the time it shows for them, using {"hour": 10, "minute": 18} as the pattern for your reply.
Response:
{"hour": 6, "minute": 26}
